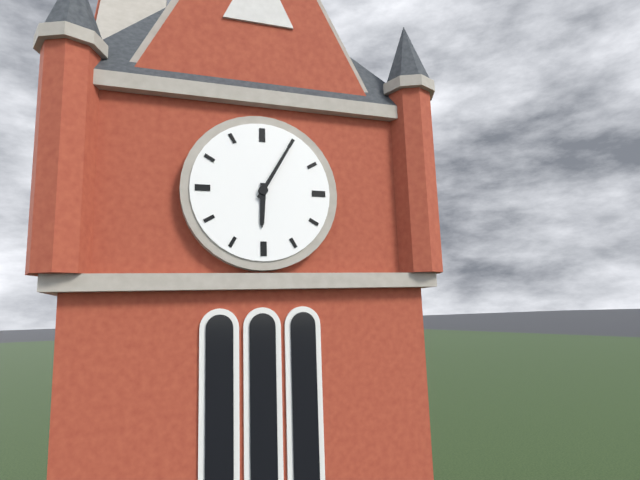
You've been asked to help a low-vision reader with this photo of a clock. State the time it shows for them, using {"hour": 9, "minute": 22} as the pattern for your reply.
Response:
{"hour": 6, "minute": 5}
